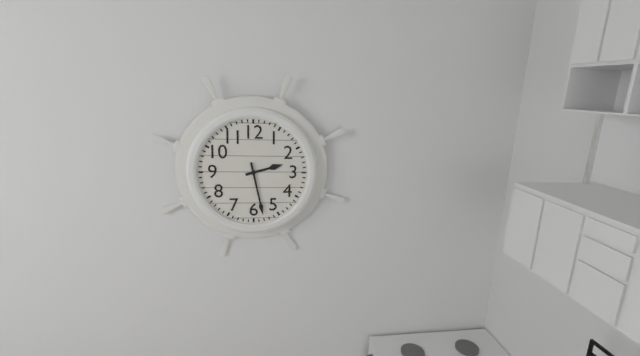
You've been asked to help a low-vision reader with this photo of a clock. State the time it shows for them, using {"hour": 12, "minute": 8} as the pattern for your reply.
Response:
{"hour": 2, "minute": 28}
